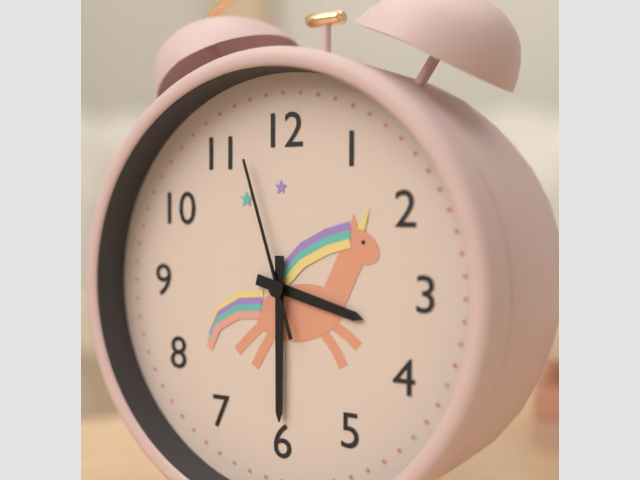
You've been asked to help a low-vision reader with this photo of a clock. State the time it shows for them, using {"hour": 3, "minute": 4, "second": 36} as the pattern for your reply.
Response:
{"hour": 3, "minute": 30, "second": 57}
